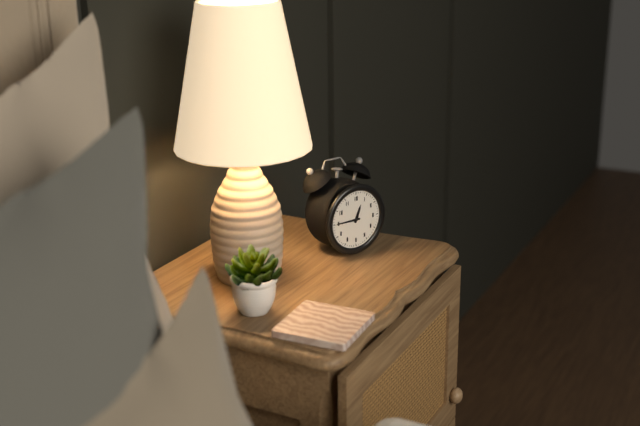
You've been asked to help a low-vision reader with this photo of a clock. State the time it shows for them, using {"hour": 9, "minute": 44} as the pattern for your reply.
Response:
{"hour": 12, "minute": 45}
